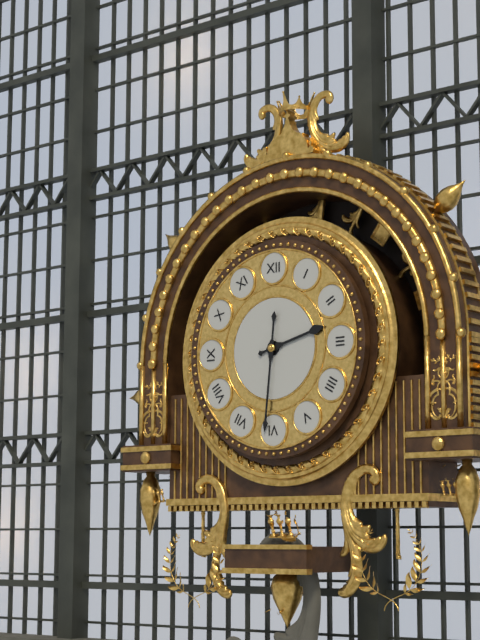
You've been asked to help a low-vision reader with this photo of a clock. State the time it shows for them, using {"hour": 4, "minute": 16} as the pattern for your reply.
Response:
{"hour": 2, "minute": 31}
